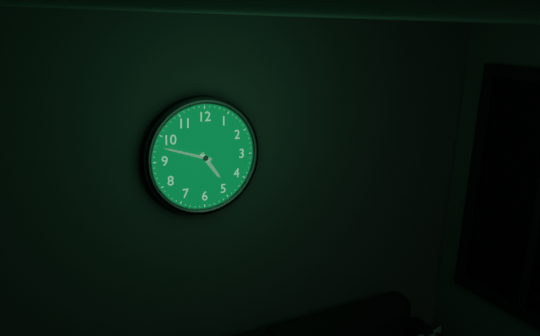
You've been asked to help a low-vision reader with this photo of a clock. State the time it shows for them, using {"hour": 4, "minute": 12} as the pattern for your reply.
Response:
{"hour": 4, "minute": 48}
